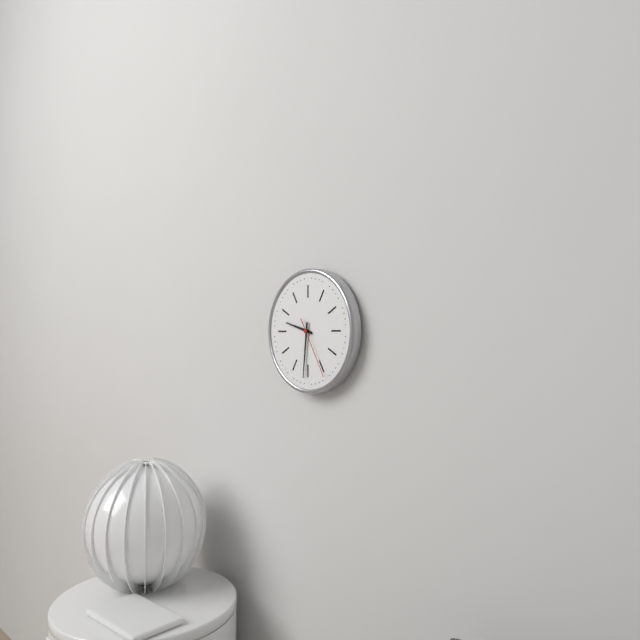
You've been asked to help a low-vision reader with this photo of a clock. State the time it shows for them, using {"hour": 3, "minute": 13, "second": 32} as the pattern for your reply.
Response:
{"hour": 9, "minute": 31, "second": 25}
